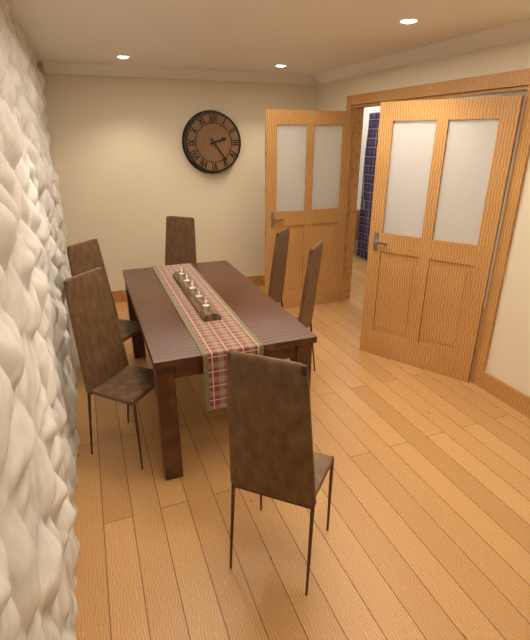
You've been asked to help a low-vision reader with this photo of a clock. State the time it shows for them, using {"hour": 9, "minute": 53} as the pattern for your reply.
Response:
{"hour": 2, "minute": 24}
